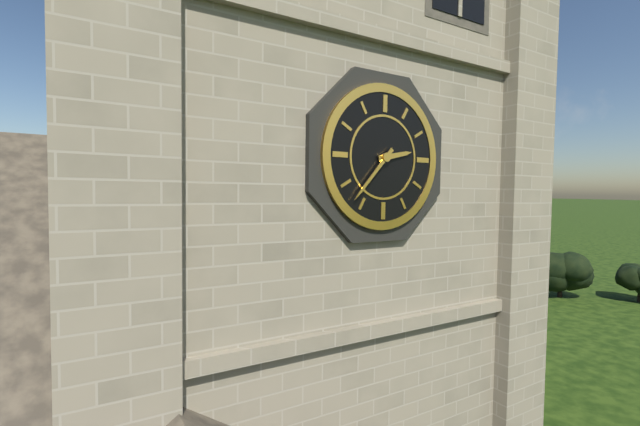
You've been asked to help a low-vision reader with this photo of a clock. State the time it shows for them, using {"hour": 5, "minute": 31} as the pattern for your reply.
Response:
{"hour": 2, "minute": 37}
